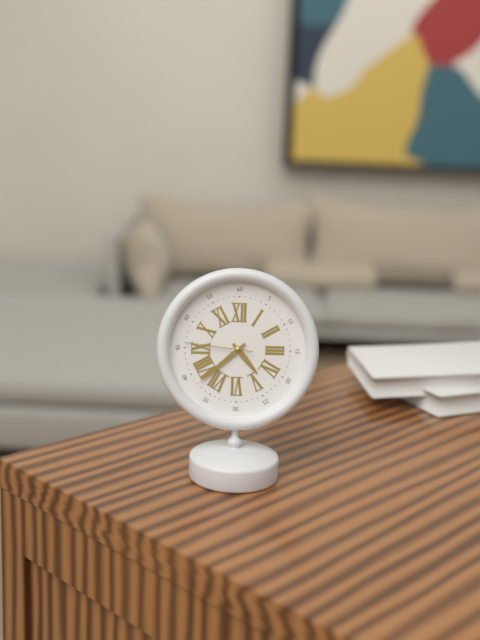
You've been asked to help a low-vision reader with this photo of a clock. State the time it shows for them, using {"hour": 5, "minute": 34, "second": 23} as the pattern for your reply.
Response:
{"hour": 4, "minute": 38, "second": 46}
